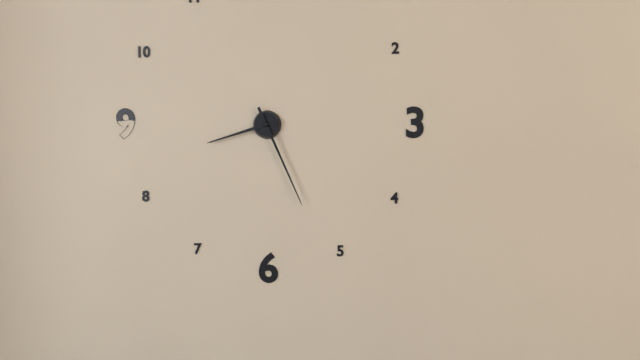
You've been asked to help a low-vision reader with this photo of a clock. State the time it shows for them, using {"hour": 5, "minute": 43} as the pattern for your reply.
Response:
{"hour": 8, "minute": 26}
